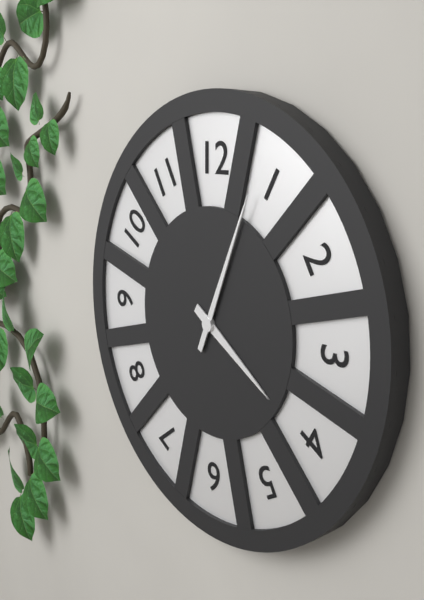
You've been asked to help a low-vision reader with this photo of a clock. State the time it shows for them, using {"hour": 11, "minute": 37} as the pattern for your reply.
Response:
{"hour": 4, "minute": 4}
